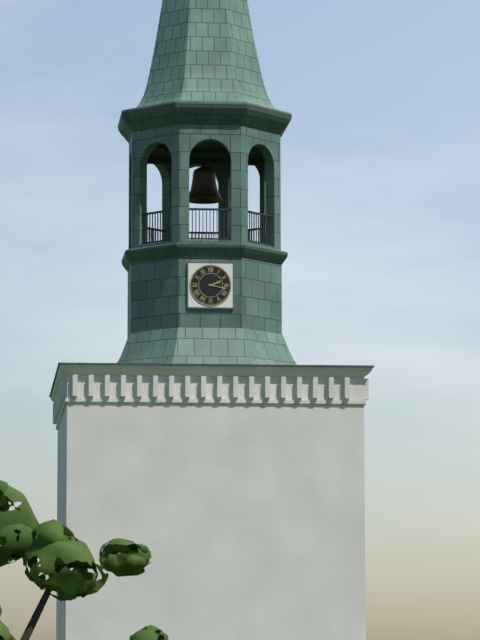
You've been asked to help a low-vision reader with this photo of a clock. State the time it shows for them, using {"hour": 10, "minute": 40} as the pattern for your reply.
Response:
{"hour": 2, "minute": 17}
